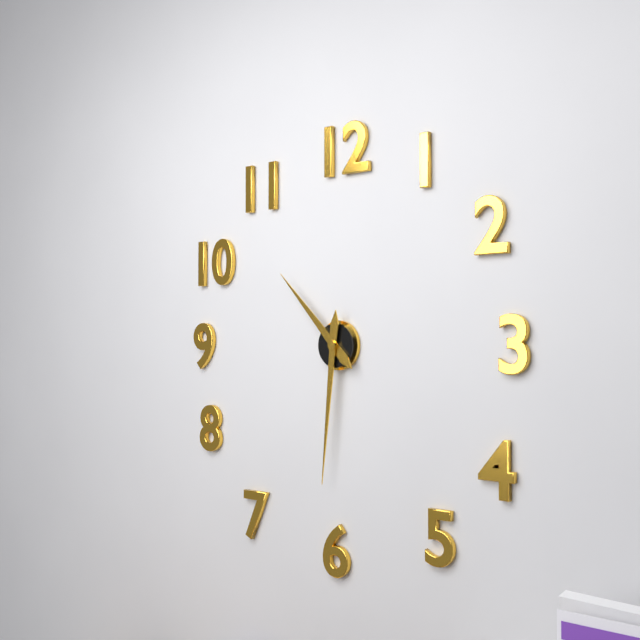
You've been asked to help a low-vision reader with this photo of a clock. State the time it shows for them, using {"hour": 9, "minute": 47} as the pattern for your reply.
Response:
{"hour": 10, "minute": 31}
